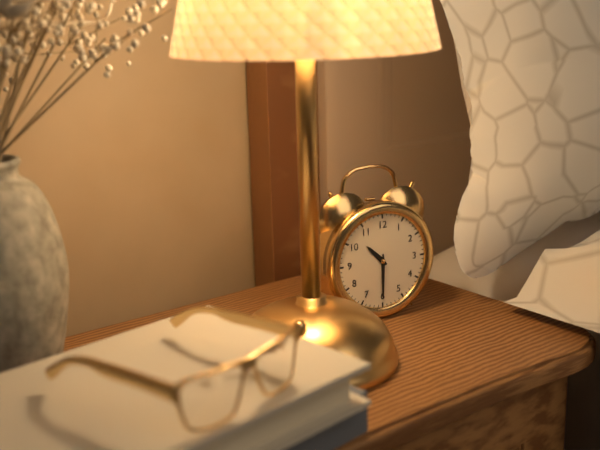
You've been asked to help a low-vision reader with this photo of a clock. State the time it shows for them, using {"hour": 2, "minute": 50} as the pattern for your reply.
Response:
{"hour": 10, "minute": 30}
